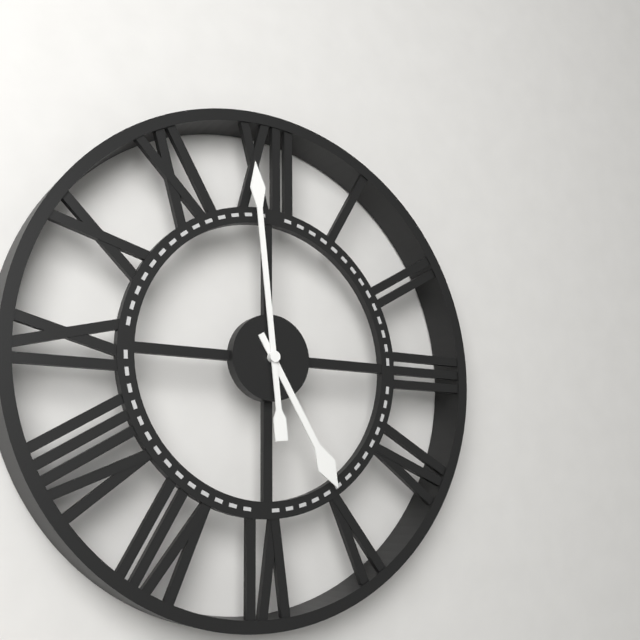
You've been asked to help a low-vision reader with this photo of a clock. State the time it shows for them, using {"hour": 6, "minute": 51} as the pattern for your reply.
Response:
{"hour": 4, "minute": 59}
